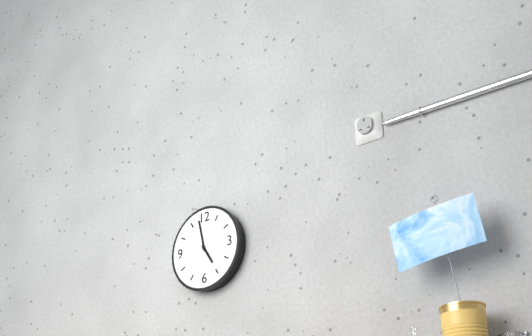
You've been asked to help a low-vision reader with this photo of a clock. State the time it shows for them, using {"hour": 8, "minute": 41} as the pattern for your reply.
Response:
{"hour": 4, "minute": 58}
